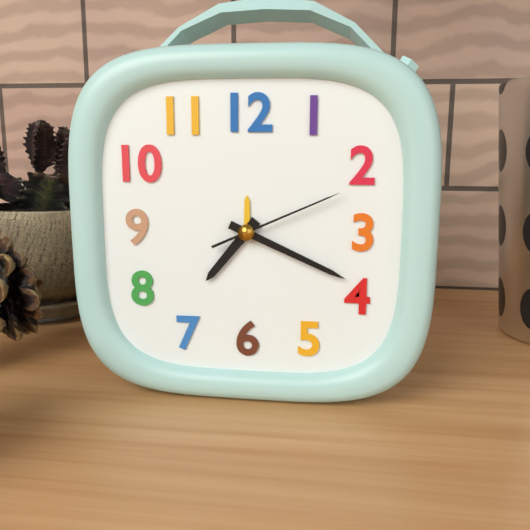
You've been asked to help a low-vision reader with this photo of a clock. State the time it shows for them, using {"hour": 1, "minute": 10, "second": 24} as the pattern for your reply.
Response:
{"hour": 7, "minute": 19, "second": 11}
